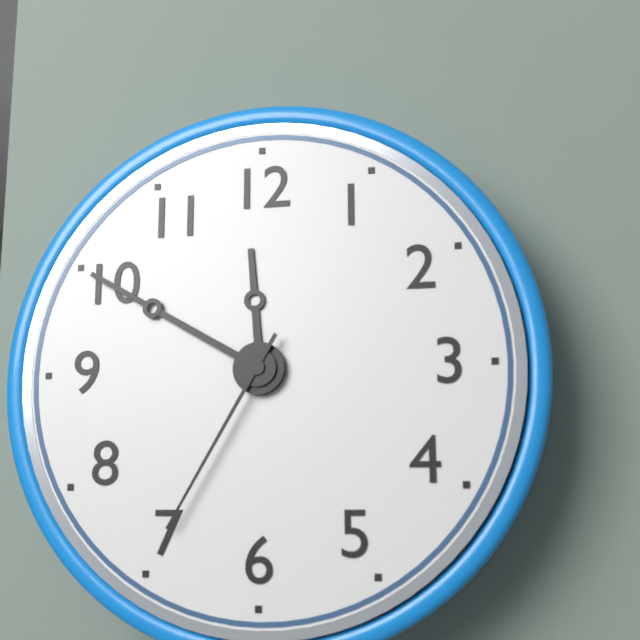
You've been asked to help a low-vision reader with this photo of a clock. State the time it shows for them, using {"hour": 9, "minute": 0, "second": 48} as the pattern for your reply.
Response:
{"hour": 11, "minute": 50, "second": 35}
